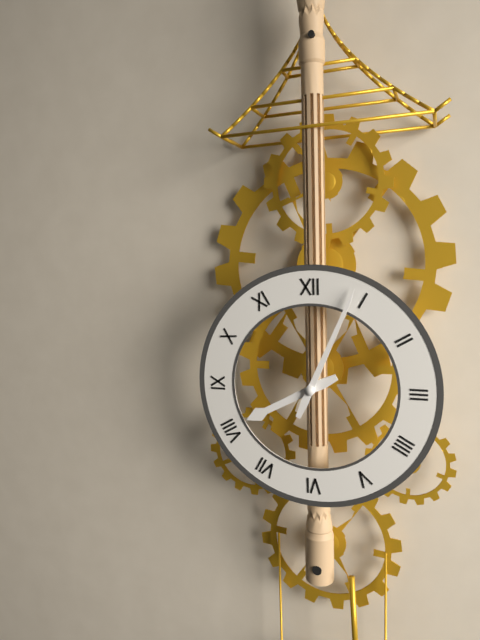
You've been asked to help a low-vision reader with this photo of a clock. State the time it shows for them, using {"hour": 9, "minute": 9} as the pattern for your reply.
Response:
{"hour": 8, "minute": 4}
